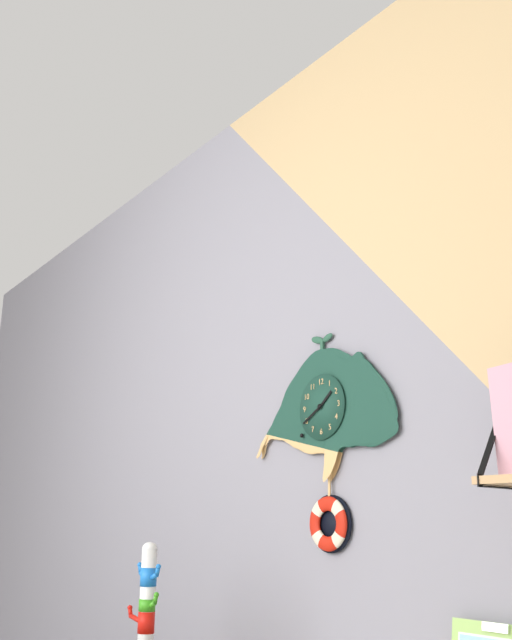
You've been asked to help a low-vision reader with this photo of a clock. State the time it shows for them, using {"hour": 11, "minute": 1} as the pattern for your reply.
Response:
{"hour": 1, "minute": 40}
